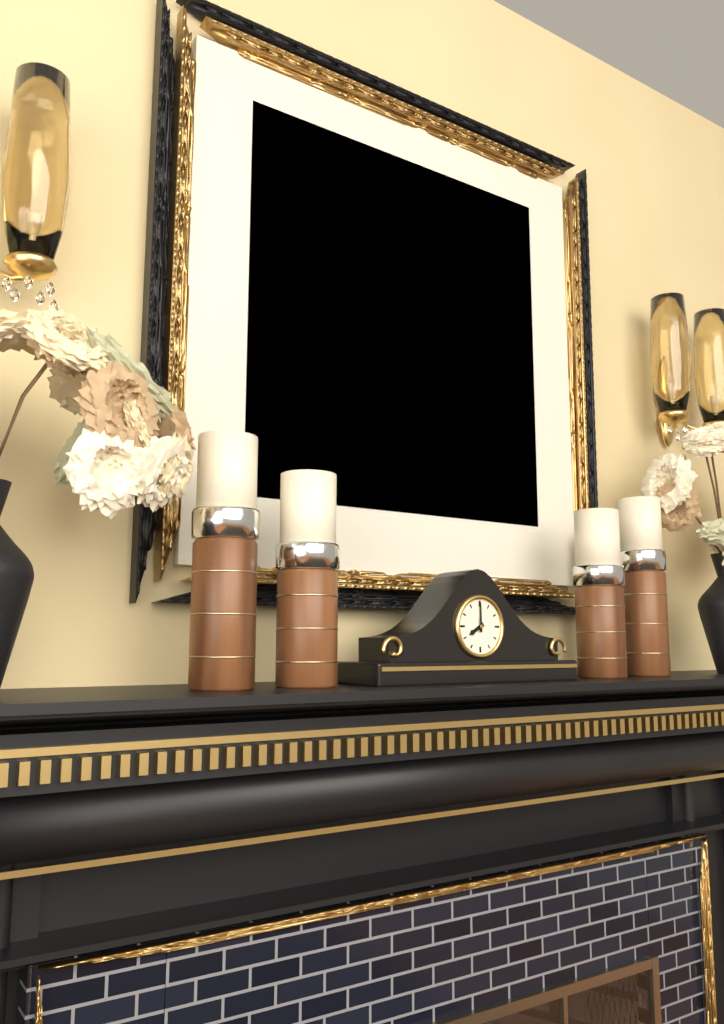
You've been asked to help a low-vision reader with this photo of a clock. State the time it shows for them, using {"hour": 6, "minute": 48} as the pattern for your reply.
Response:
{"hour": 8, "minute": 0}
